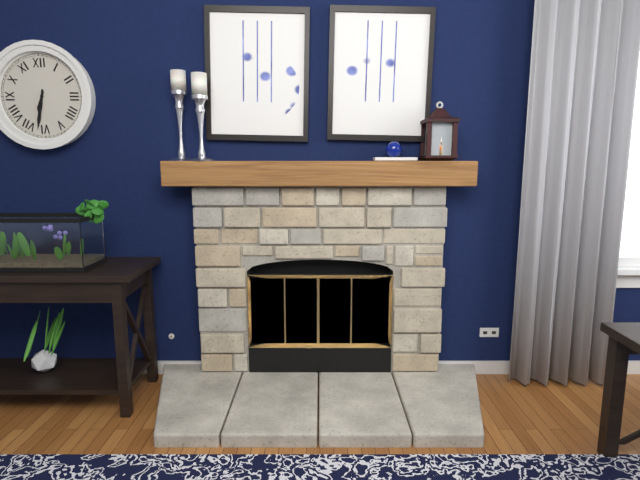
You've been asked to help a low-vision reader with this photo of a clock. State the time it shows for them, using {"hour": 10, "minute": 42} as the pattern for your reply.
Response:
{"hour": 6, "minute": 32}
